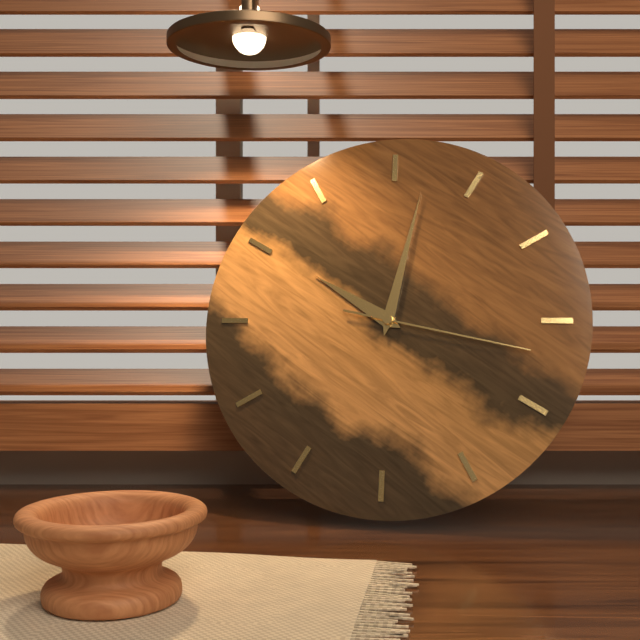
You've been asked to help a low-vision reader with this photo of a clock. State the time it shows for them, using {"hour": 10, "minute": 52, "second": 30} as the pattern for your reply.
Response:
{"hour": 10, "minute": 2, "second": 17}
